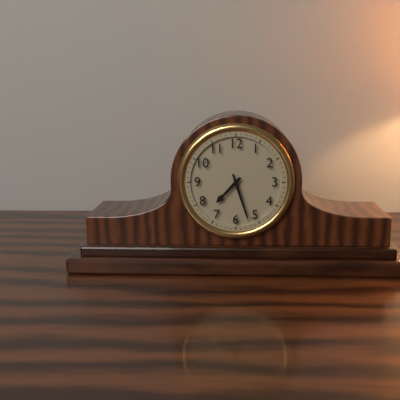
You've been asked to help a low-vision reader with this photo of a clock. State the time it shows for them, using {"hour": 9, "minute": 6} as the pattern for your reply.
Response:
{"hour": 7, "minute": 27}
